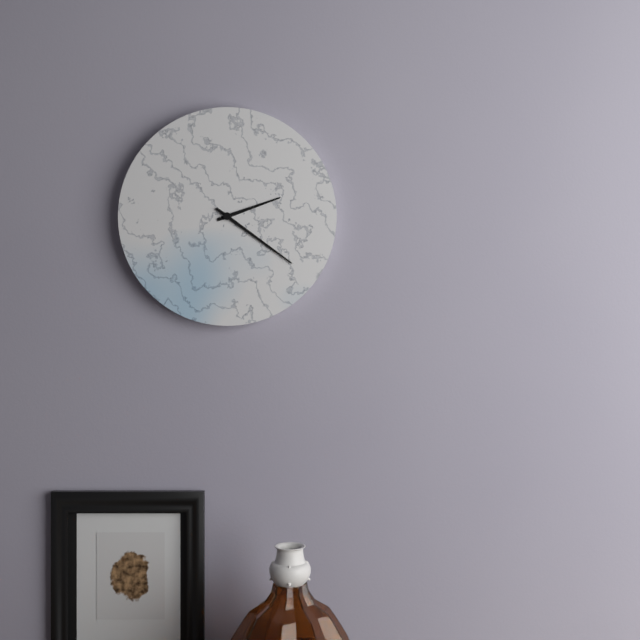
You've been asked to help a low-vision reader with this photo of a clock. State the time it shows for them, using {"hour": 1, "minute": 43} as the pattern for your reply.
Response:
{"hour": 2, "minute": 21}
